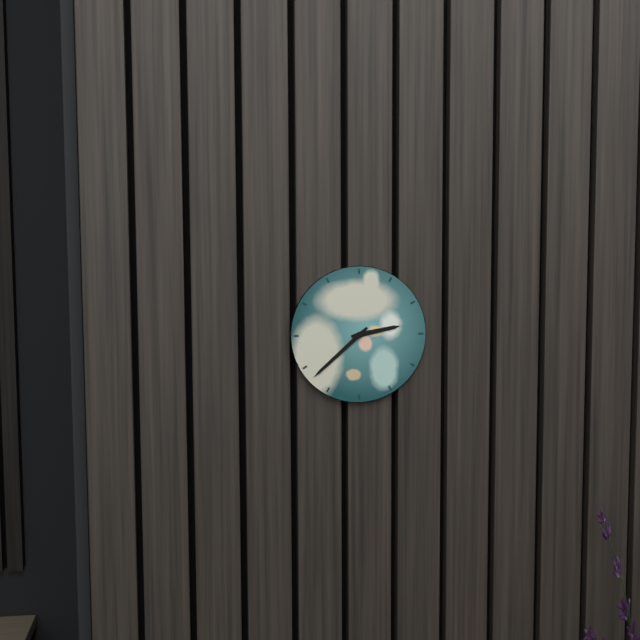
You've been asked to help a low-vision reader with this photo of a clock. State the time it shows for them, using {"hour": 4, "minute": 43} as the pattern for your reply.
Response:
{"hour": 2, "minute": 38}
